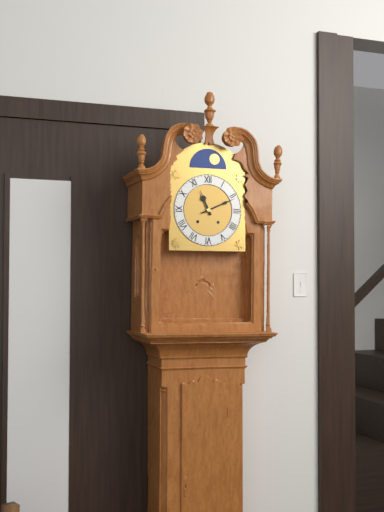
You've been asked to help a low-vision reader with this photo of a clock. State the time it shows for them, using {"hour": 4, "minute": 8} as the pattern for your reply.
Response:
{"hour": 11, "minute": 11}
